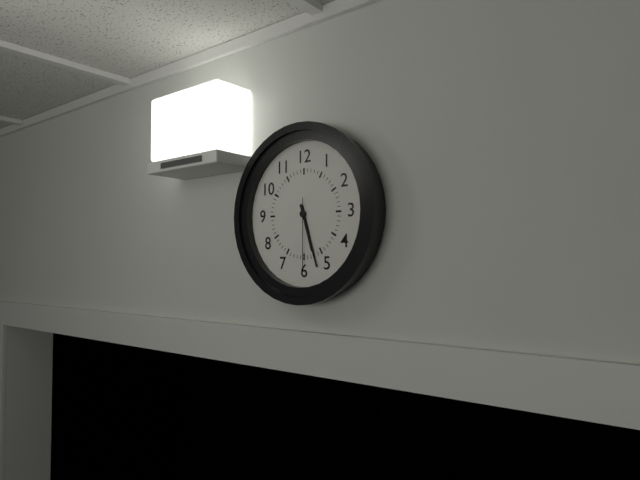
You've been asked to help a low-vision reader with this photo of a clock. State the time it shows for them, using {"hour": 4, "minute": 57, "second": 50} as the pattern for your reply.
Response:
{"hour": 5, "minute": 27, "second": 30}
